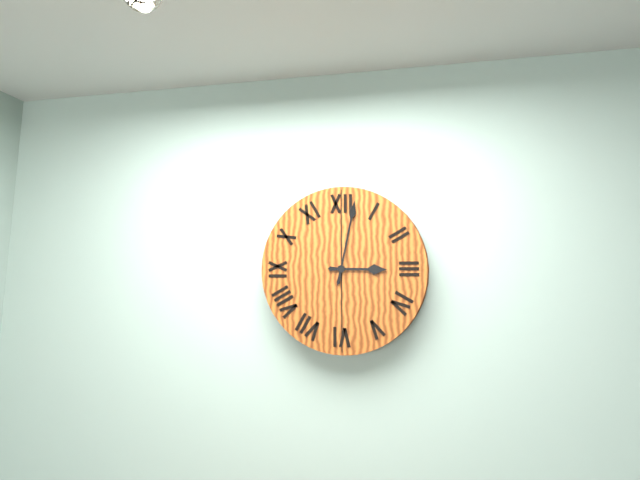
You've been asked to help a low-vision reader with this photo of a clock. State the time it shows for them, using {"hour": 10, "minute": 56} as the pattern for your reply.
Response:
{"hour": 3, "minute": 2}
